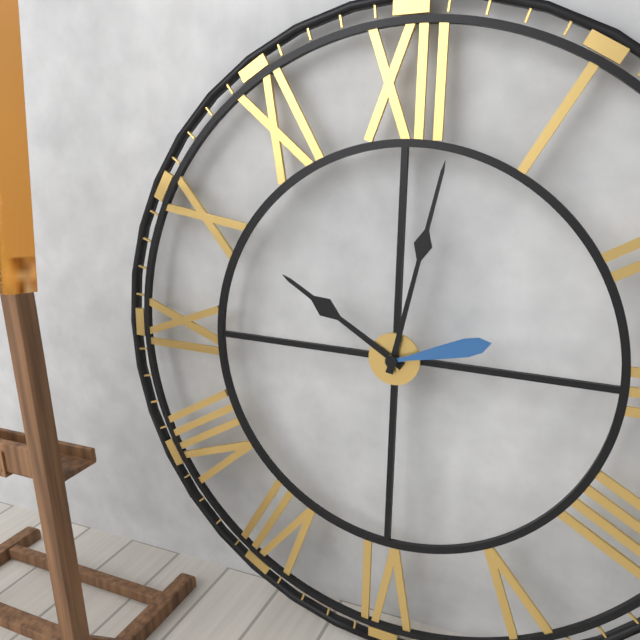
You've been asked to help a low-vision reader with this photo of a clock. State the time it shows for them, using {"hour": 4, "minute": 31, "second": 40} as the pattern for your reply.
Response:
{"hour": 10, "minute": 2, "second": 12}
